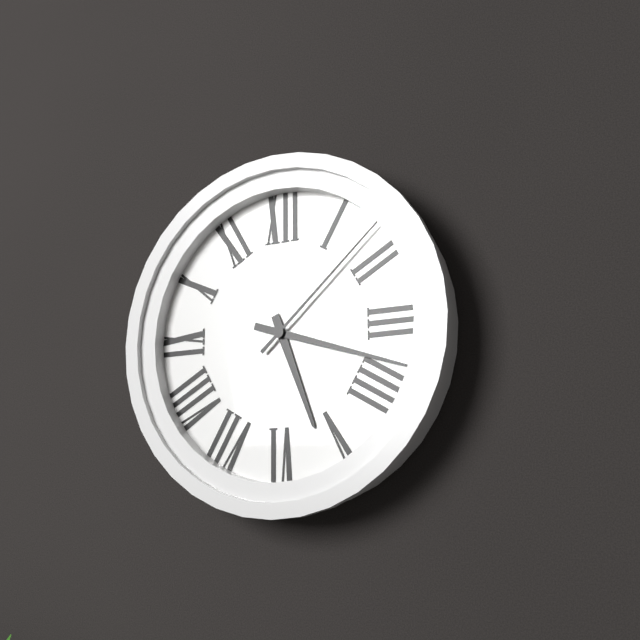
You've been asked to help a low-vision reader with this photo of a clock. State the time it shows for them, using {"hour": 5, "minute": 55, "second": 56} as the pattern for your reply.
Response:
{"hour": 5, "minute": 18, "second": 8}
